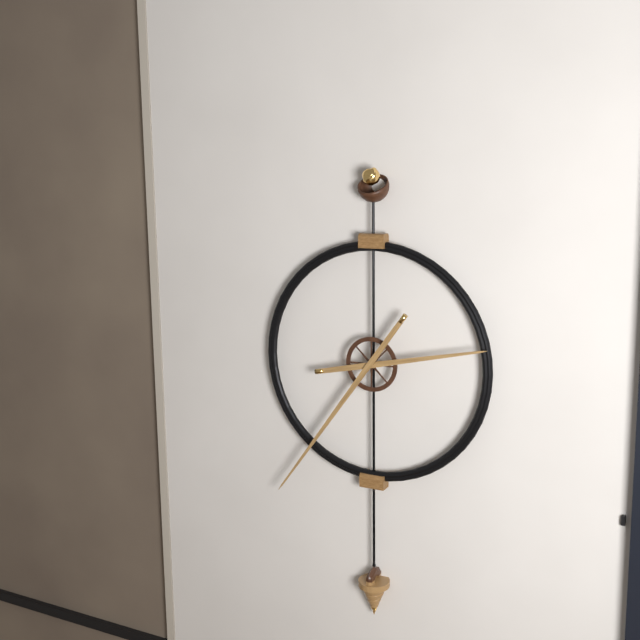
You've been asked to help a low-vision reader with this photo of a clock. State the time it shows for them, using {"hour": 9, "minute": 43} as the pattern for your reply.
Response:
{"hour": 2, "minute": 36}
